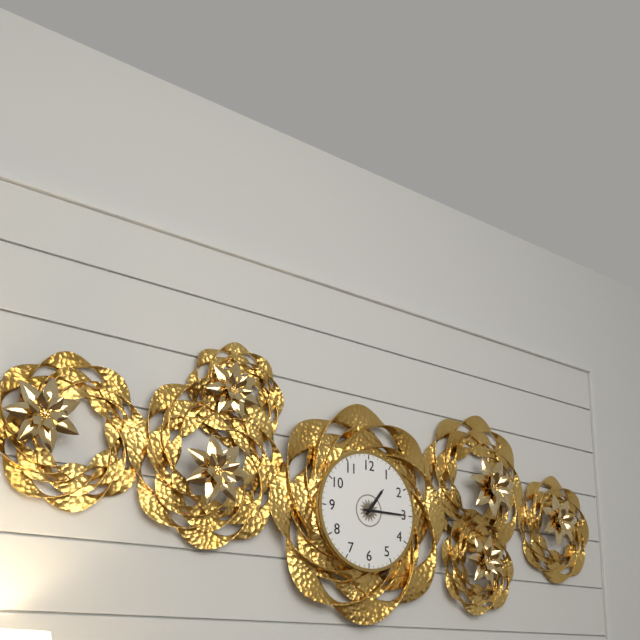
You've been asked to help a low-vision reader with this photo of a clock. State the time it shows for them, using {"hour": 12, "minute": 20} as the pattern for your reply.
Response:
{"hour": 1, "minute": 15}
